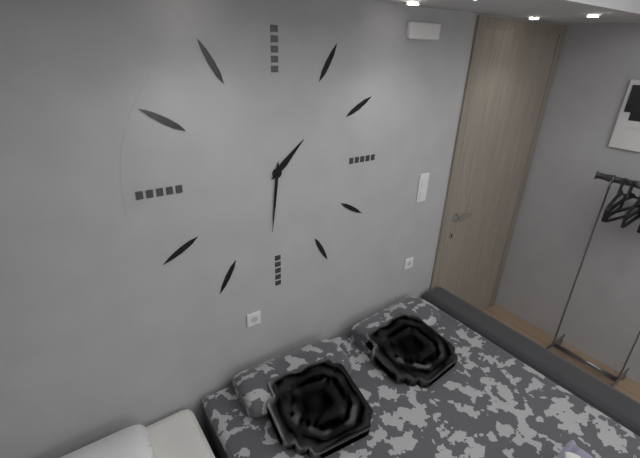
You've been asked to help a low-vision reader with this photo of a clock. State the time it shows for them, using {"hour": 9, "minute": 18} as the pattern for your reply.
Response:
{"hour": 1, "minute": 31}
